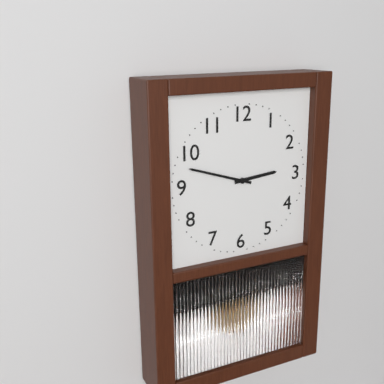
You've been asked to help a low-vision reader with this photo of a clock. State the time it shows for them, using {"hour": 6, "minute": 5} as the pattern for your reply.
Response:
{"hour": 2, "minute": 48}
